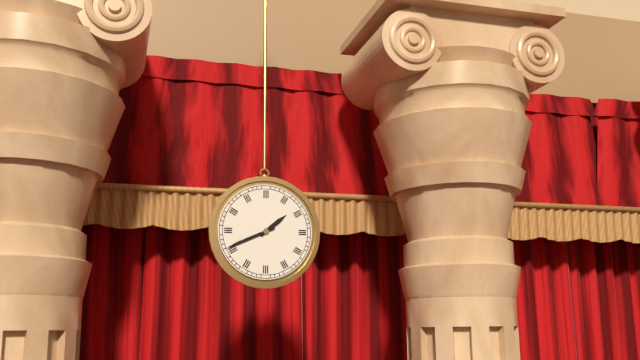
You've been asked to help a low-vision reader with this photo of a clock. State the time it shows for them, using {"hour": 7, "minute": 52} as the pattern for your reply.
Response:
{"hour": 1, "minute": 41}
